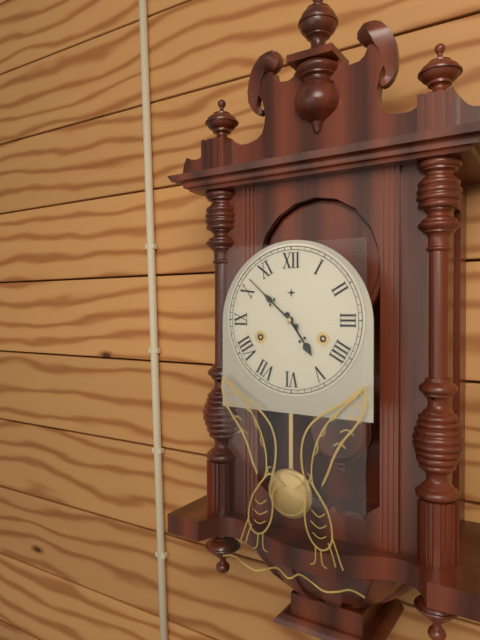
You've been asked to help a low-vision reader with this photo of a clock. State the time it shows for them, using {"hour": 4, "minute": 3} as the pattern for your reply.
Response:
{"hour": 4, "minute": 52}
